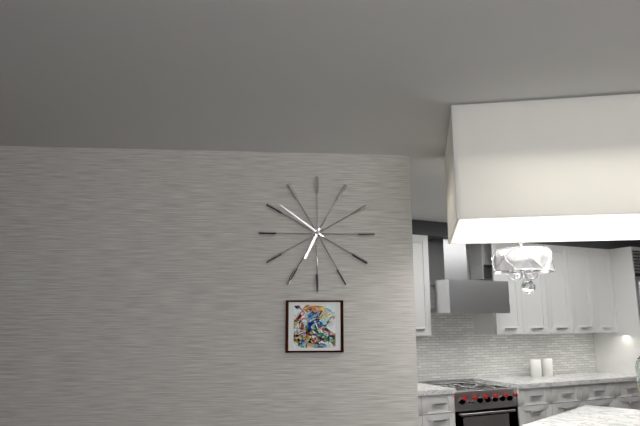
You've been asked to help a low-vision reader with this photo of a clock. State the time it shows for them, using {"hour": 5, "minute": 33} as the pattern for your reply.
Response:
{"hour": 6, "minute": 51}
